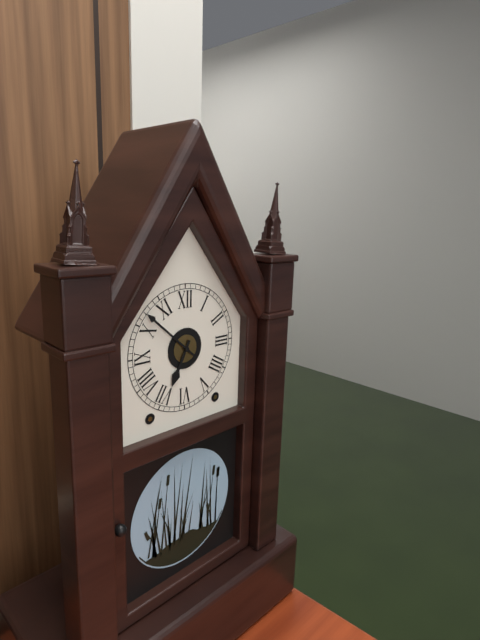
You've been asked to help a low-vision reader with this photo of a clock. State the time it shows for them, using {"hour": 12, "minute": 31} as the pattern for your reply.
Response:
{"hour": 6, "minute": 52}
